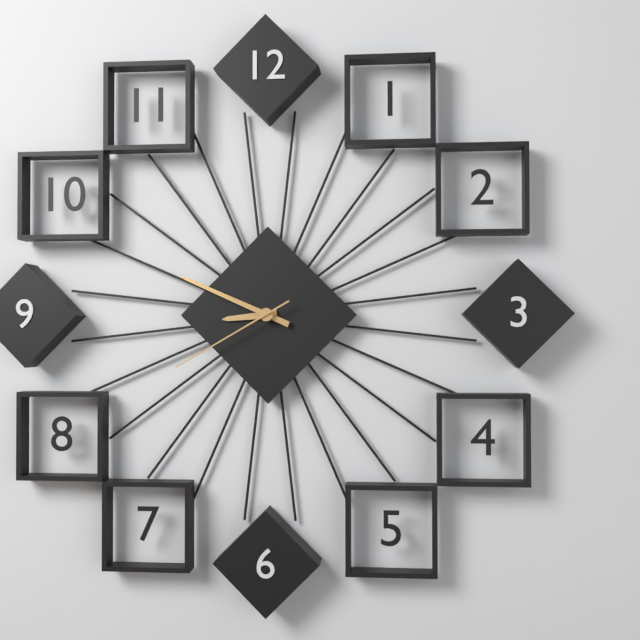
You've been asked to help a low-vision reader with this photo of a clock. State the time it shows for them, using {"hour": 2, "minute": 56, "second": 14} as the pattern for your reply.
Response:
{"hour": 8, "minute": 49, "second": 40}
